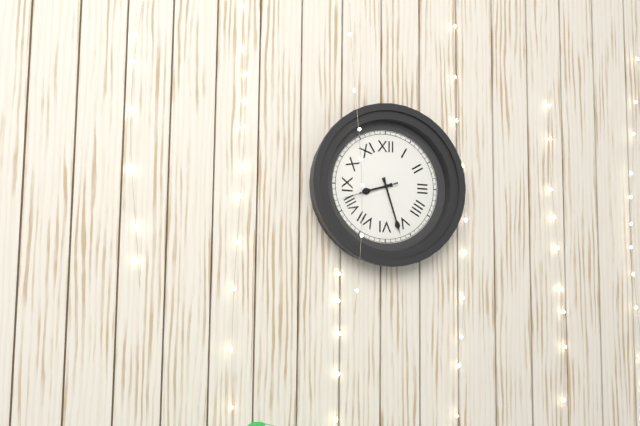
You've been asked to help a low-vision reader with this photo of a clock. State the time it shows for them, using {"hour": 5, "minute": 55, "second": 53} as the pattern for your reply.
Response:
{"hour": 8, "minute": 27, "second": 42}
